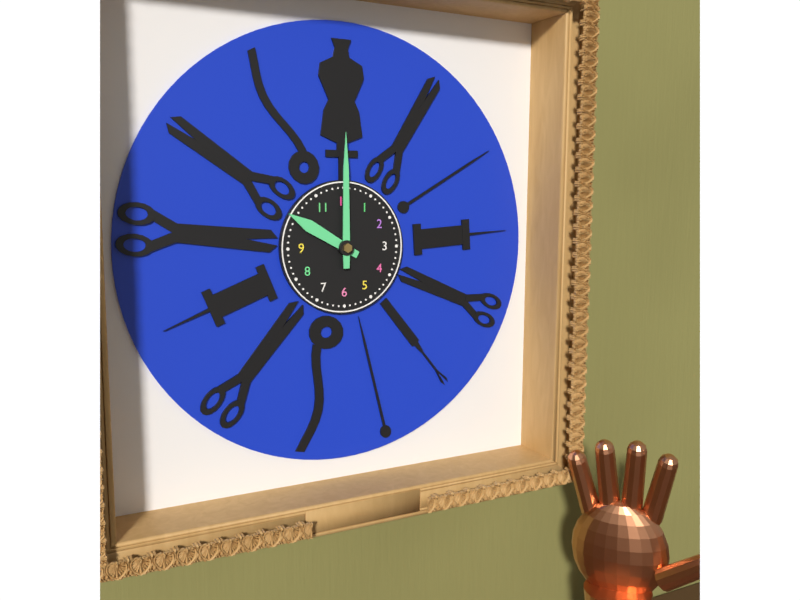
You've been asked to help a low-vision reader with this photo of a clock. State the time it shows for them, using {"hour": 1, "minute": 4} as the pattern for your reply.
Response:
{"hour": 10, "minute": 0}
